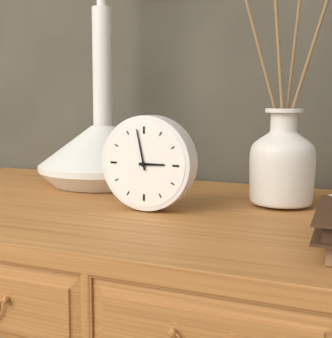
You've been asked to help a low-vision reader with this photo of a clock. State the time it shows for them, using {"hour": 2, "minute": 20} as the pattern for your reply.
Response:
{"hour": 2, "minute": 58}
